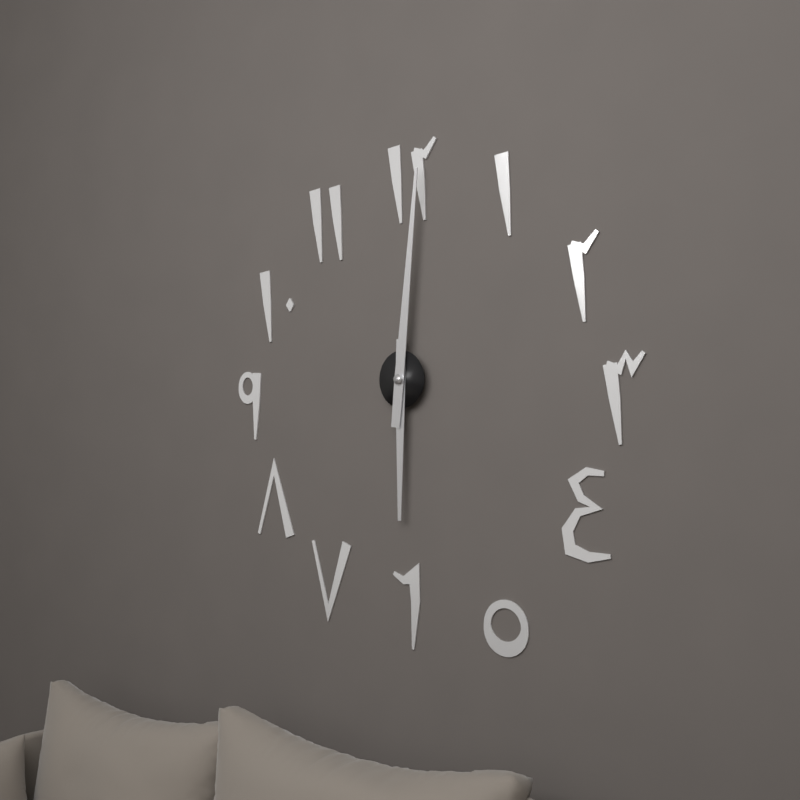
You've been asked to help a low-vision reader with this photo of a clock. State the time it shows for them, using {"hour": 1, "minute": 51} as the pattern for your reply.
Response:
{"hour": 6, "minute": 1}
